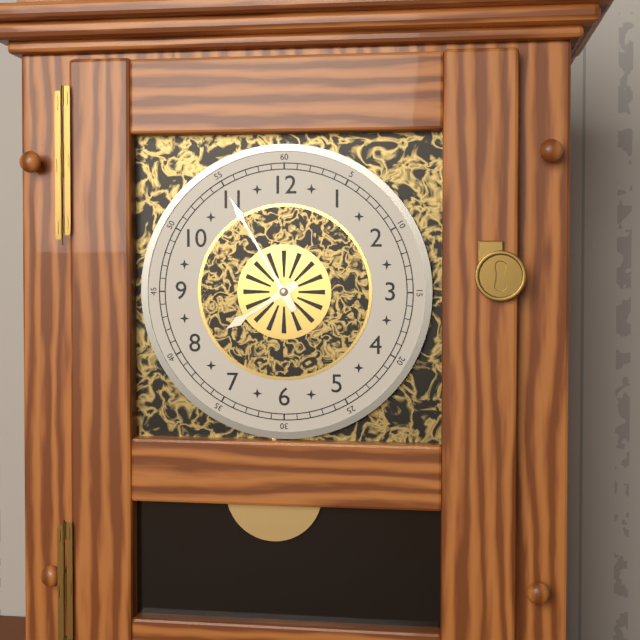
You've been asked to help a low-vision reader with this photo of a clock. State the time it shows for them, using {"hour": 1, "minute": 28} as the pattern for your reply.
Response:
{"hour": 7, "minute": 55}
